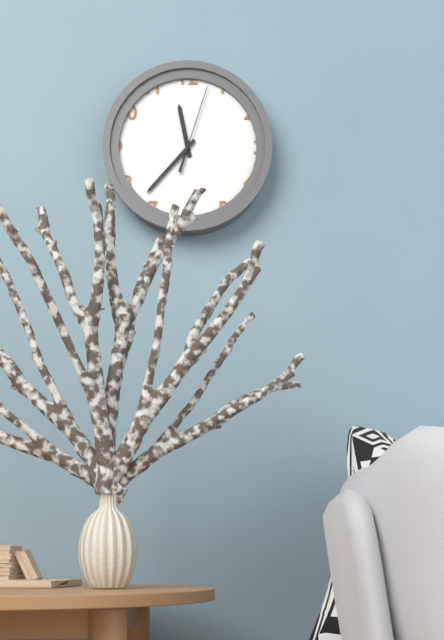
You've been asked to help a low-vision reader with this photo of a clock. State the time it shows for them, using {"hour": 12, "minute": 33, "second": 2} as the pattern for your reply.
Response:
{"hour": 11, "minute": 37, "second": 3}
